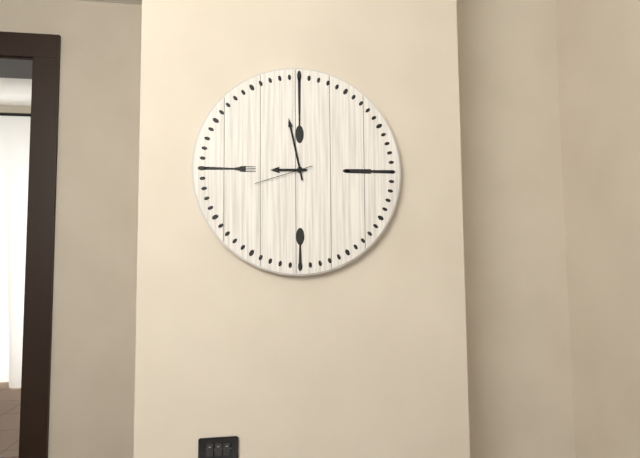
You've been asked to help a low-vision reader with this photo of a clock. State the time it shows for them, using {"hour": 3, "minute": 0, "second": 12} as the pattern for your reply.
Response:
{"hour": 8, "minute": 58, "second": 42}
